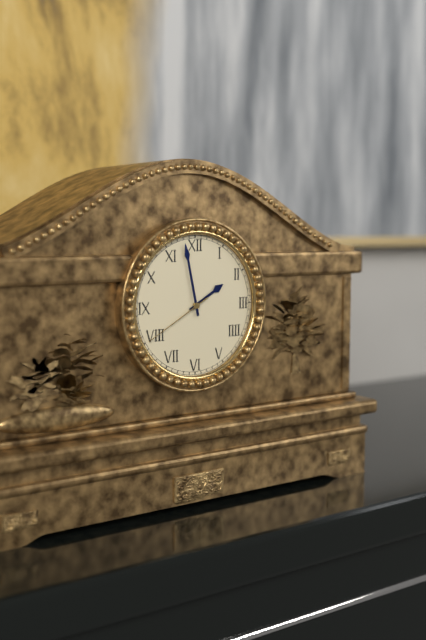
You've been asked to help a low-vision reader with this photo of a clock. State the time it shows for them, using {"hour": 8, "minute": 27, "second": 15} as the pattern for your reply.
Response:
{"hour": 1, "minute": 58, "second": 40}
